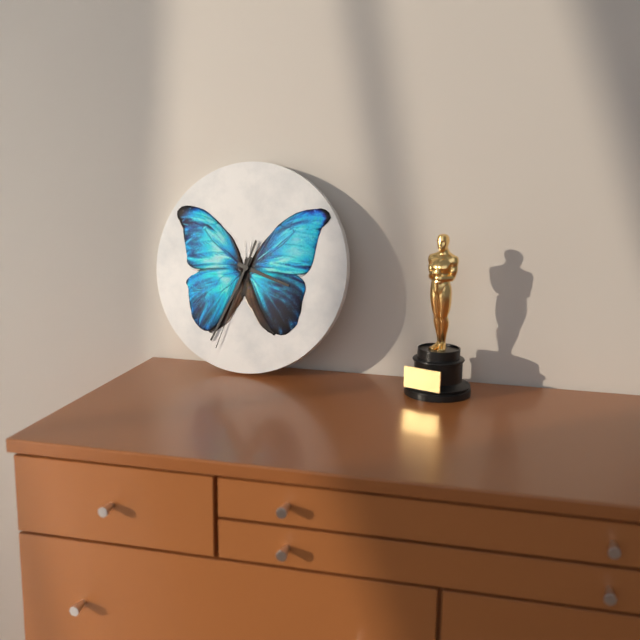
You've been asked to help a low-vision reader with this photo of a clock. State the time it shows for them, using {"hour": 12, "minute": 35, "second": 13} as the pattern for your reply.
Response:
{"hour": 3, "minute": 34, "second": 33}
